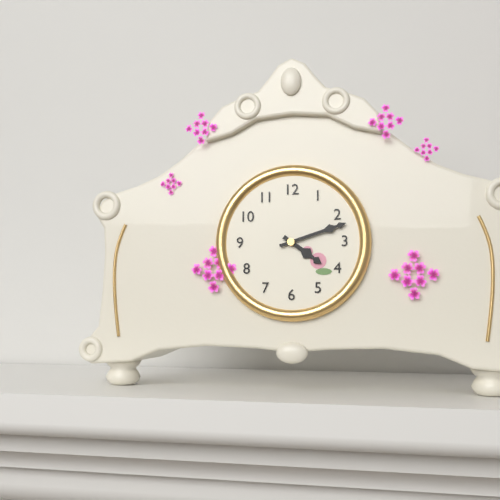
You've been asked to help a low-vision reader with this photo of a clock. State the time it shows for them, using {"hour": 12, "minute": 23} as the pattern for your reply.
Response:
{"hour": 4, "minute": 12}
